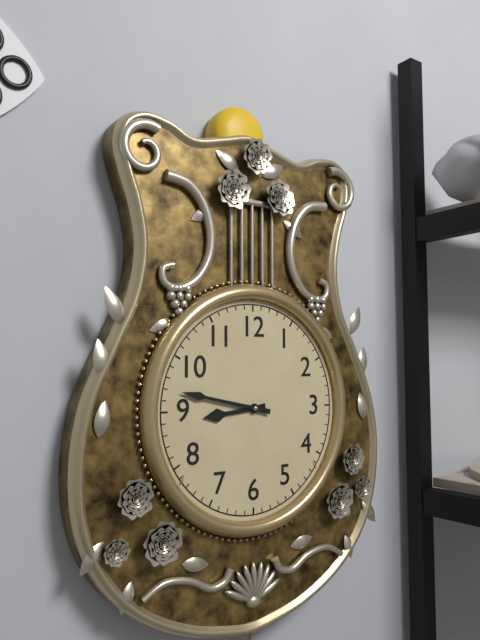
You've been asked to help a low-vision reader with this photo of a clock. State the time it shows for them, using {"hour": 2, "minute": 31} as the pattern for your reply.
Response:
{"hour": 8, "minute": 47}
